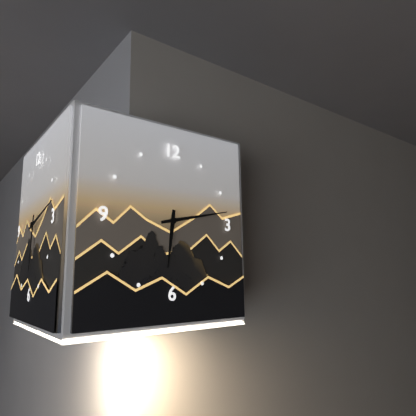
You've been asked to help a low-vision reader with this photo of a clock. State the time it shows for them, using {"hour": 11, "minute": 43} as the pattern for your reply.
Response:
{"hour": 6, "minute": 13}
